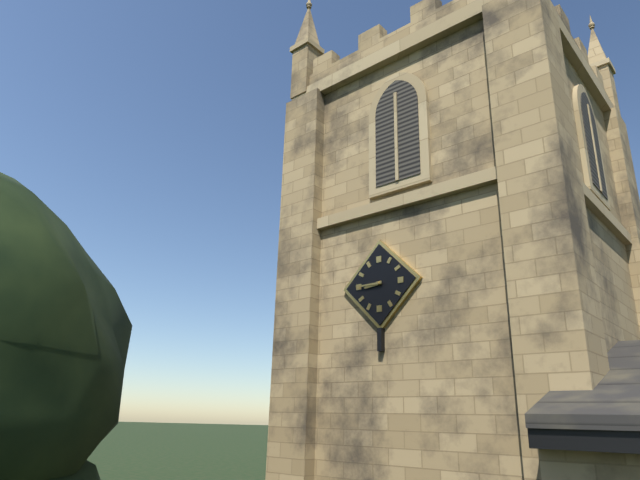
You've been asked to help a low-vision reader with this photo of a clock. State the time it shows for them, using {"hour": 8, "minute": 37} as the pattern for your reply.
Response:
{"hour": 8, "minute": 45}
